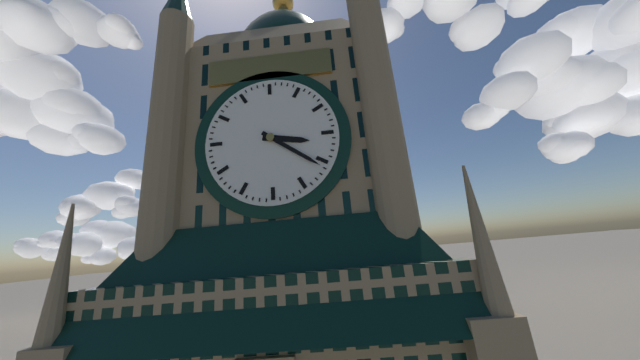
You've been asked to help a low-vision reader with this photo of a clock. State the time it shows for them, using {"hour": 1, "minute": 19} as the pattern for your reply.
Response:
{"hour": 3, "minute": 21}
